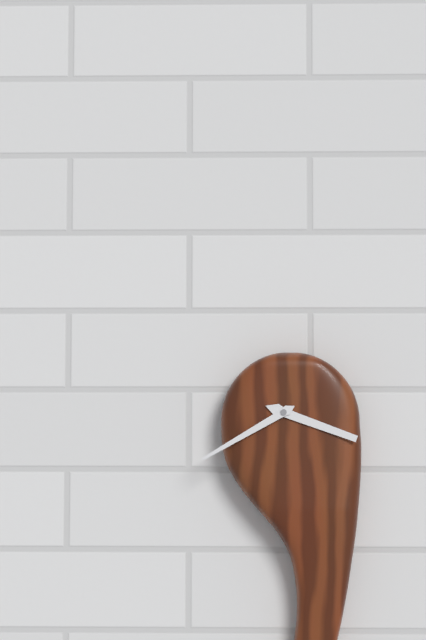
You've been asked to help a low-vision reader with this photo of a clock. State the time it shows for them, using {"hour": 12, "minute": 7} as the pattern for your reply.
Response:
{"hour": 3, "minute": 40}
